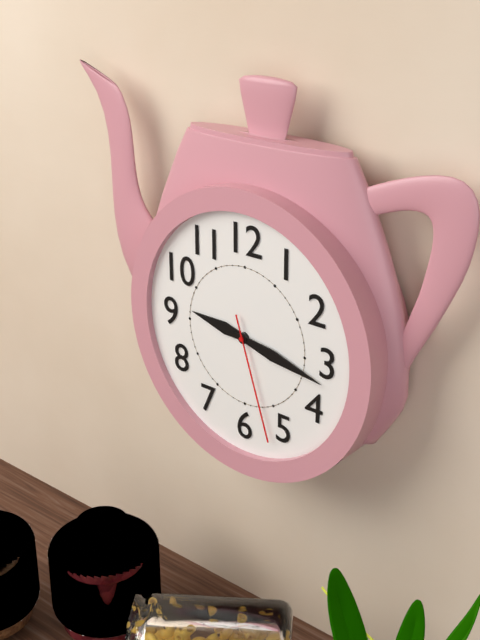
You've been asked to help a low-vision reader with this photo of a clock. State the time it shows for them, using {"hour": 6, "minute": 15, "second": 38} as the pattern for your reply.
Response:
{"hour": 9, "minute": 17, "second": 27}
